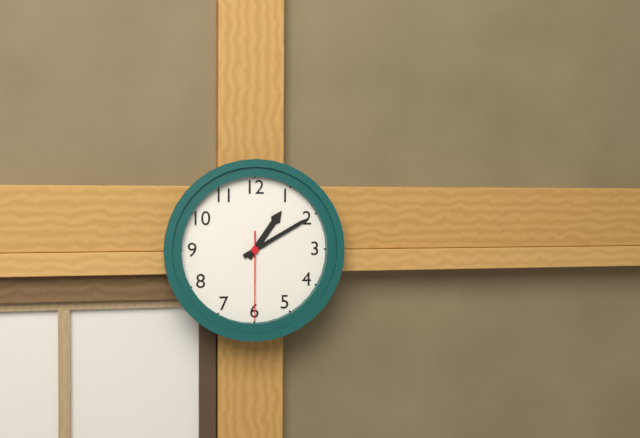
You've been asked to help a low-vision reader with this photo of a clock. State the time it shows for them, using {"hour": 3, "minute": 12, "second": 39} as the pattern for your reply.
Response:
{"hour": 1, "minute": 10, "second": 30}
